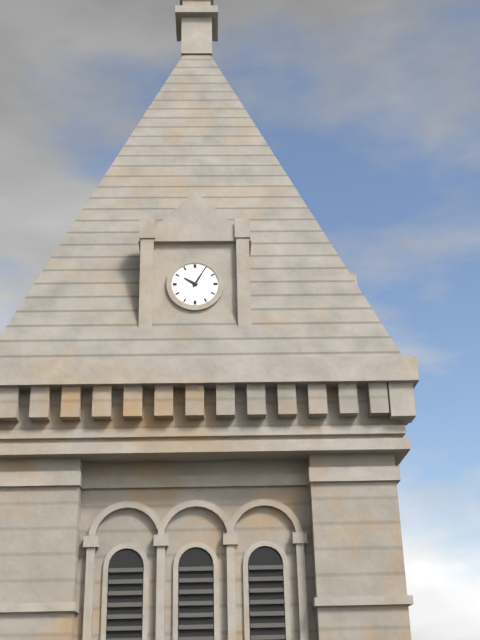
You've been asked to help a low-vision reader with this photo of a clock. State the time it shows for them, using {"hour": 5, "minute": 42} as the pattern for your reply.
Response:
{"hour": 10, "minute": 5}
